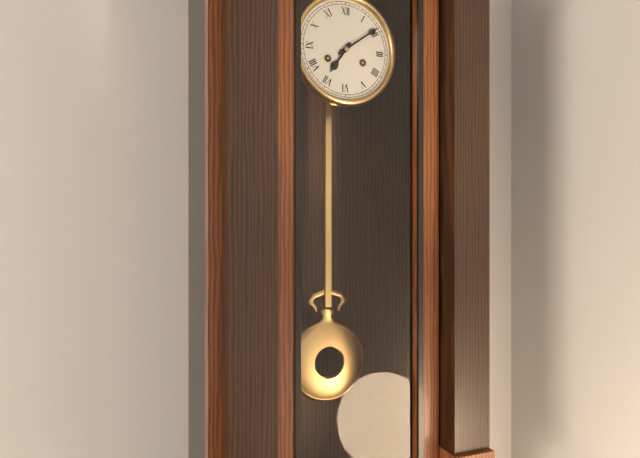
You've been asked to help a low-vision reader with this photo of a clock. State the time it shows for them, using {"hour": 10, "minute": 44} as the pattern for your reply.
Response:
{"hour": 7, "minute": 9}
